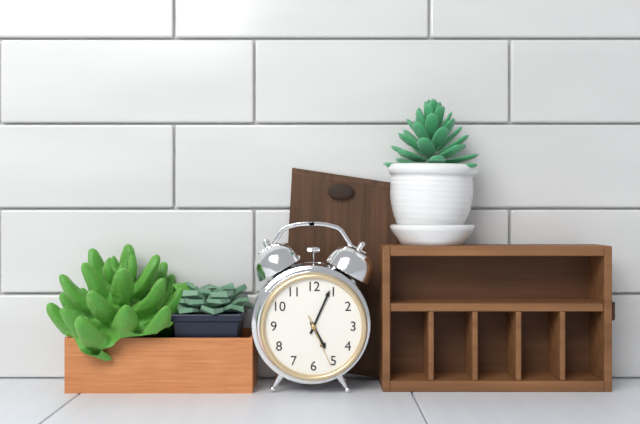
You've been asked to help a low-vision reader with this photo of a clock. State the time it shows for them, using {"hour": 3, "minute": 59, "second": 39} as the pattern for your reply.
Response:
{"hour": 5, "minute": 4, "second": 26}
